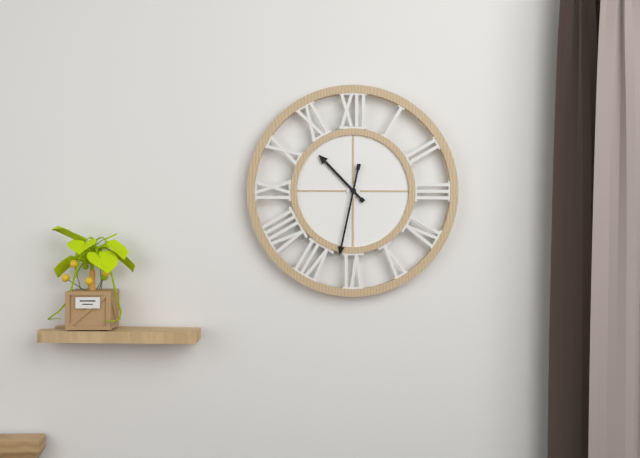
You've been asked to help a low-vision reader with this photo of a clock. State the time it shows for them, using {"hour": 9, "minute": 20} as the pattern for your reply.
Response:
{"hour": 10, "minute": 32}
